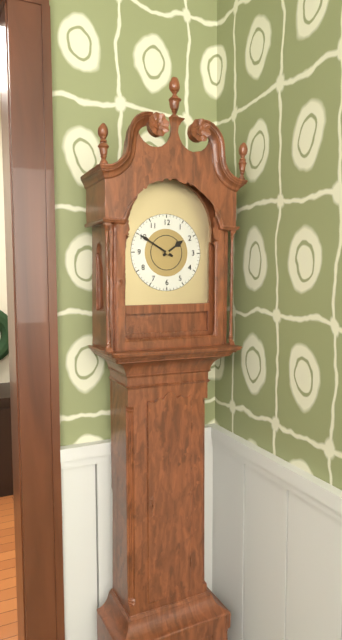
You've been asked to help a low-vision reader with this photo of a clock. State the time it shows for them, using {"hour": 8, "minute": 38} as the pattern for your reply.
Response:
{"hour": 1, "minute": 50}
